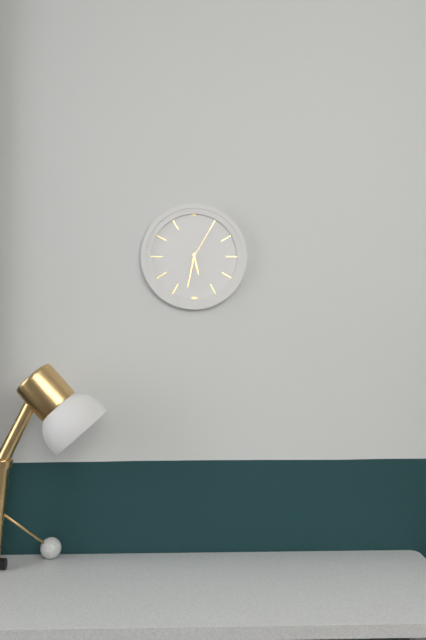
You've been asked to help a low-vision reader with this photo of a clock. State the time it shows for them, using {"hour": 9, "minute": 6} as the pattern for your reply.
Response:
{"hour": 5, "minute": 32}
